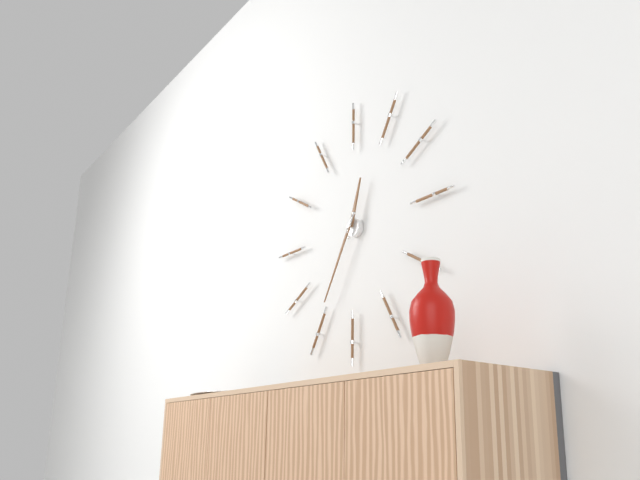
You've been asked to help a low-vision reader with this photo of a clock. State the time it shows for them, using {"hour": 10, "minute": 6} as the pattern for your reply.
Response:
{"hour": 12, "minute": 35}
